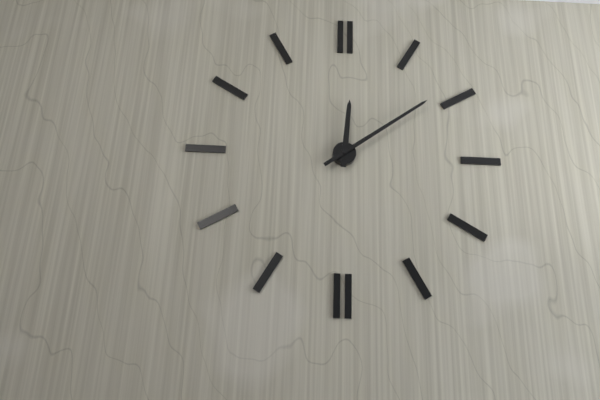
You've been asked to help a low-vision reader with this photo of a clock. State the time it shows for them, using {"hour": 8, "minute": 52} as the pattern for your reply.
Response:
{"hour": 12, "minute": 9}
